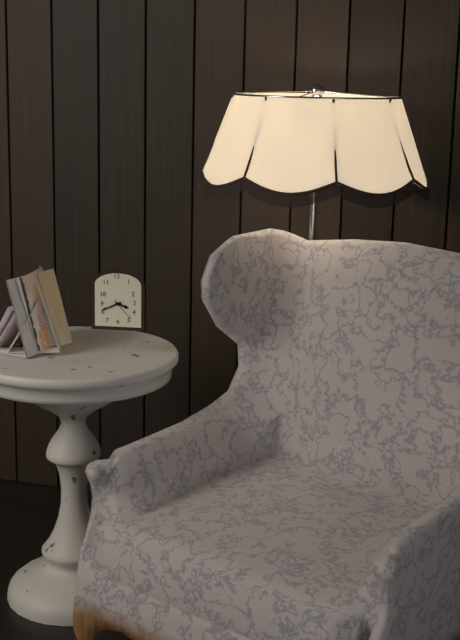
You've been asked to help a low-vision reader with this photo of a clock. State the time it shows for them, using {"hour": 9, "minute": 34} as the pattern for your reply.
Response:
{"hour": 3, "minute": 41}
